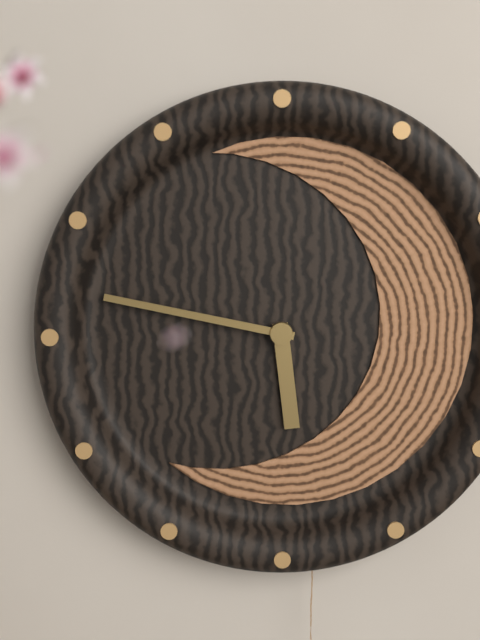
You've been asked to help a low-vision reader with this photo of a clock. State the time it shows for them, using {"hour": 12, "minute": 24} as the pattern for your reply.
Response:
{"hour": 5, "minute": 47}
